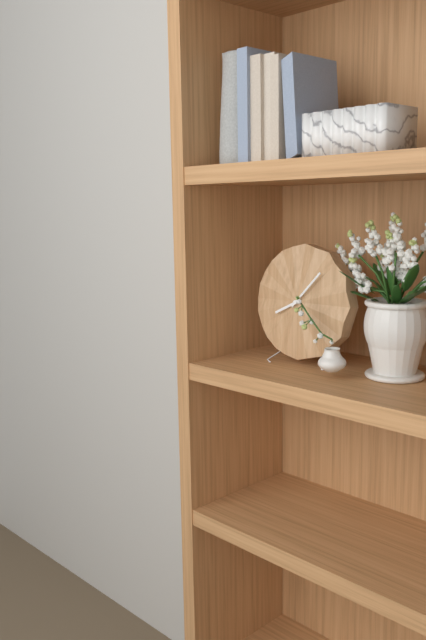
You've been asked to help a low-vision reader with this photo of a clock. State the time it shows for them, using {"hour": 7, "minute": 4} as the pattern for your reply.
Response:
{"hour": 8, "minute": 7}
